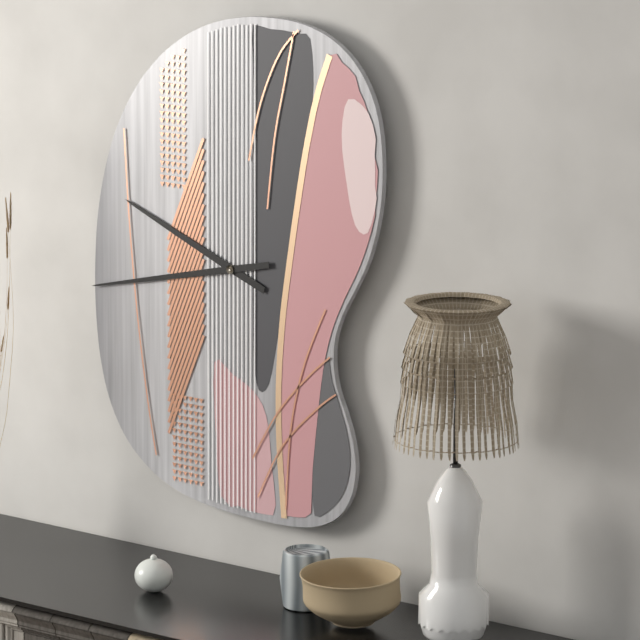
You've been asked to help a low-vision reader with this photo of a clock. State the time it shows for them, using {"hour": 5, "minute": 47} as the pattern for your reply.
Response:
{"hour": 9, "minute": 43}
